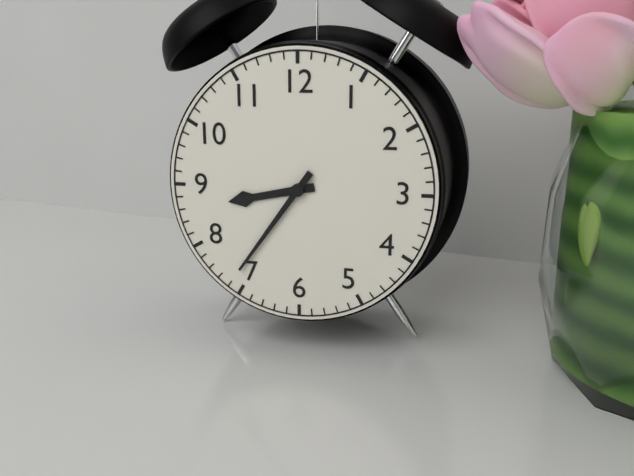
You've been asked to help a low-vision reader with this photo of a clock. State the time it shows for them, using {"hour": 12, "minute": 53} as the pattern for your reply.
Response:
{"hour": 8, "minute": 36}
